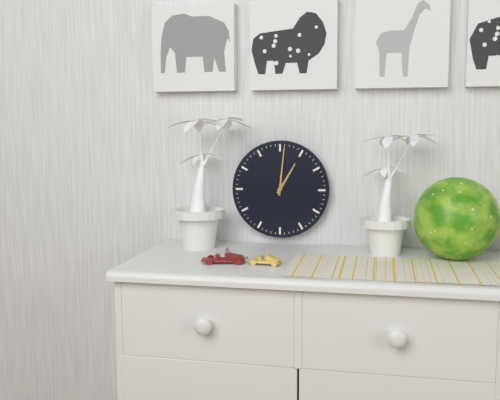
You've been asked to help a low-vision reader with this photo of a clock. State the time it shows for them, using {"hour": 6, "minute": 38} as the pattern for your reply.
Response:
{"hour": 1, "minute": 1}
